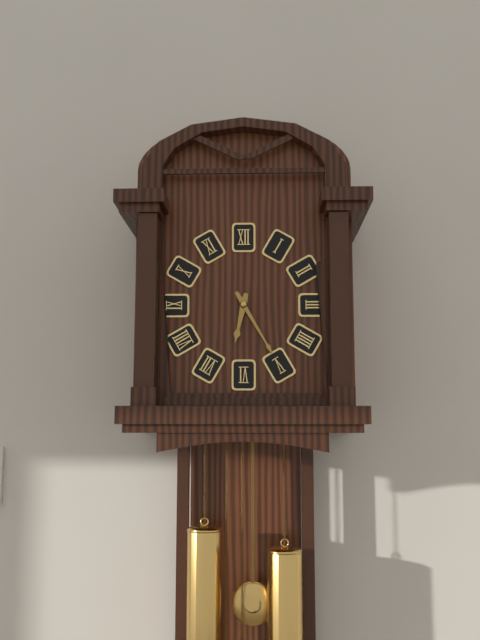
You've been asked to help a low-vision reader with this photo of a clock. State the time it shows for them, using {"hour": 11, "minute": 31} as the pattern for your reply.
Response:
{"hour": 6, "minute": 25}
